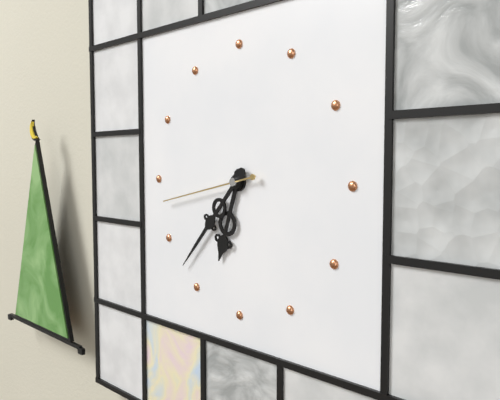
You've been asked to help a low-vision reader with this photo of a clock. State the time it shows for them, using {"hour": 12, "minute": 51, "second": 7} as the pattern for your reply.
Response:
{"hour": 6, "minute": 37, "second": 43}
